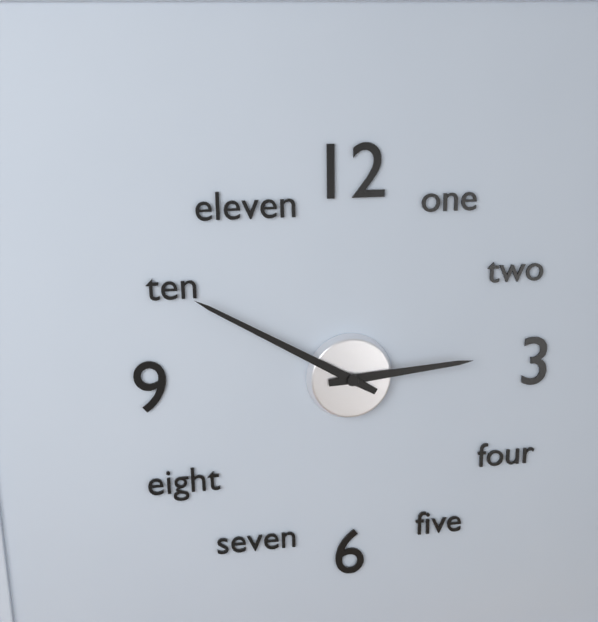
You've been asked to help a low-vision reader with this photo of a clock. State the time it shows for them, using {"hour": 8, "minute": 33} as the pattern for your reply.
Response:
{"hour": 2, "minute": 50}
